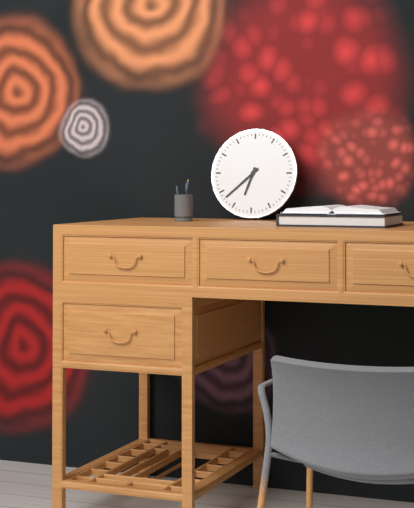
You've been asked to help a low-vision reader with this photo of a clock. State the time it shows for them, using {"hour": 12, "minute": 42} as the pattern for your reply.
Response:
{"hour": 6, "minute": 38}
